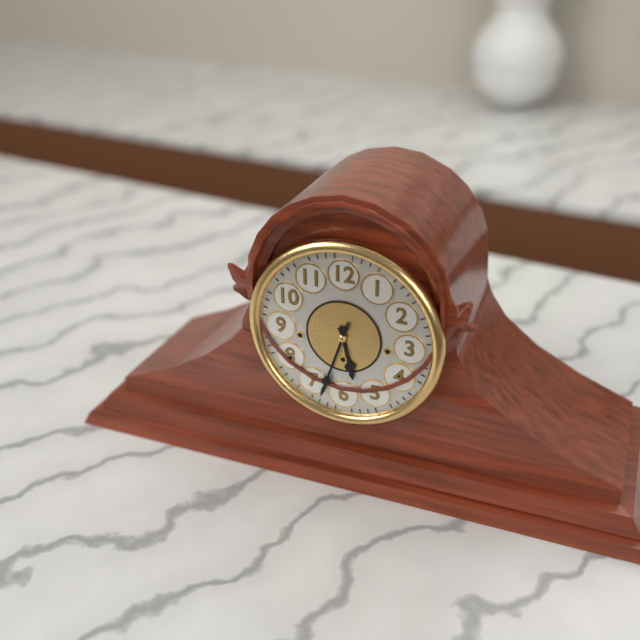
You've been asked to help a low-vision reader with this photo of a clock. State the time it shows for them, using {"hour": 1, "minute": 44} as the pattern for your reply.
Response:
{"hour": 5, "minute": 33}
